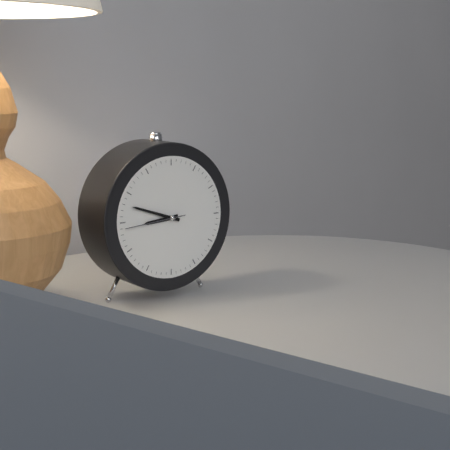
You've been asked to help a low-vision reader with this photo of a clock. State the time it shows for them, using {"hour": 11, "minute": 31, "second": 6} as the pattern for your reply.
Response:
{"hour": 8, "minute": 48, "second": 44}
